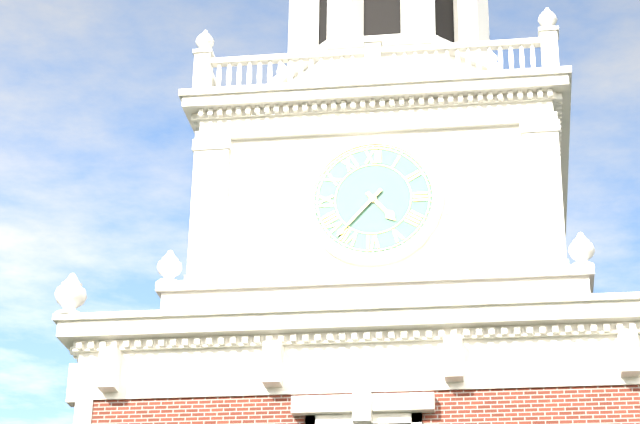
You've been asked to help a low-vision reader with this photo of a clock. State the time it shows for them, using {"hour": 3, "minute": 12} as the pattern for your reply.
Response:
{"hour": 4, "minute": 37}
